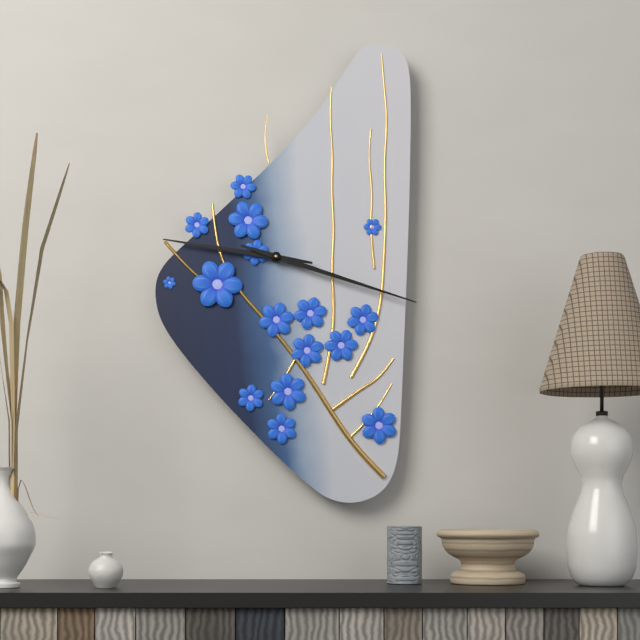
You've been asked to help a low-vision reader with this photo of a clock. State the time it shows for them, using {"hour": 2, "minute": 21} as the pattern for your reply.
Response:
{"hour": 9, "minute": 18}
